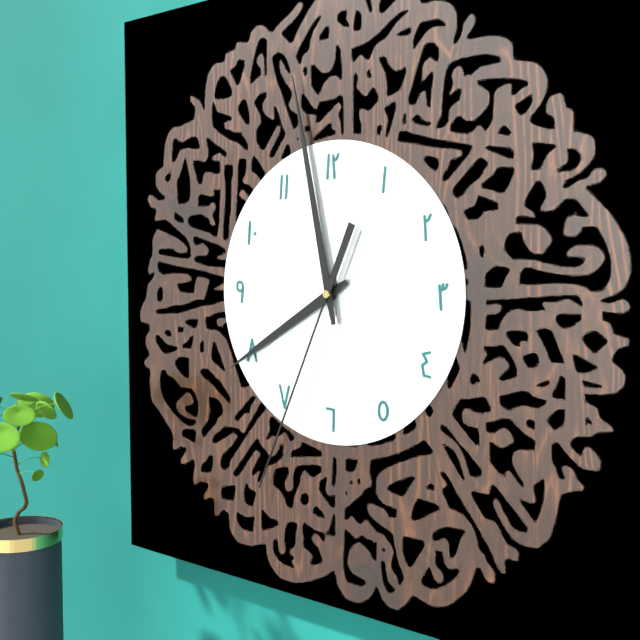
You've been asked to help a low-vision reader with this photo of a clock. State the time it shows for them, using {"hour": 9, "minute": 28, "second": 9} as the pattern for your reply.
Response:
{"hour": 7, "minute": 58, "second": 34}
